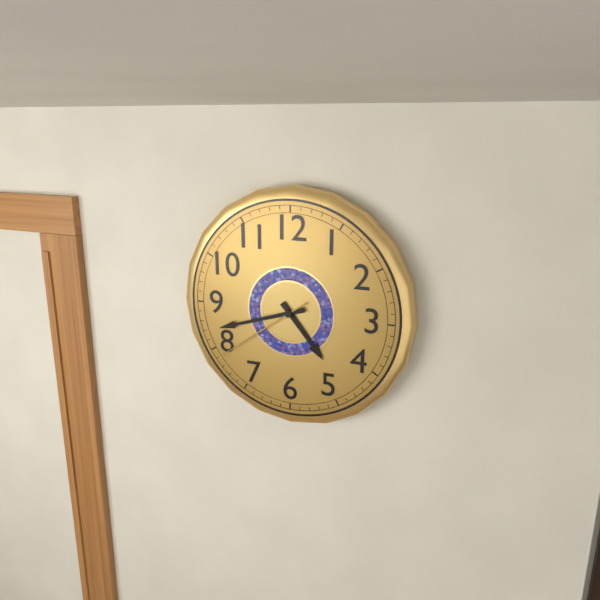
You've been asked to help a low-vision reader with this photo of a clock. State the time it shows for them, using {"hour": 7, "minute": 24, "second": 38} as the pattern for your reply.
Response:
{"hour": 4, "minute": 42, "second": 39}
